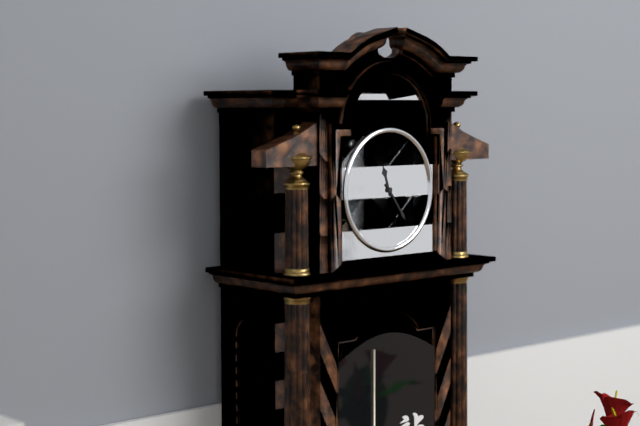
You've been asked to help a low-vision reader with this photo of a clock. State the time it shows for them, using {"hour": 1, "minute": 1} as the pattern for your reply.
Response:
{"hour": 11, "minute": 24}
